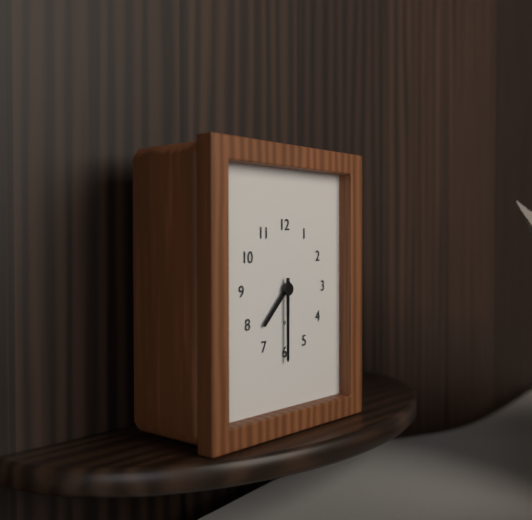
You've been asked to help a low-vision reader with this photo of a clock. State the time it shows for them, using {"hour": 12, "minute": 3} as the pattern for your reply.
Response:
{"hour": 7, "minute": 30}
